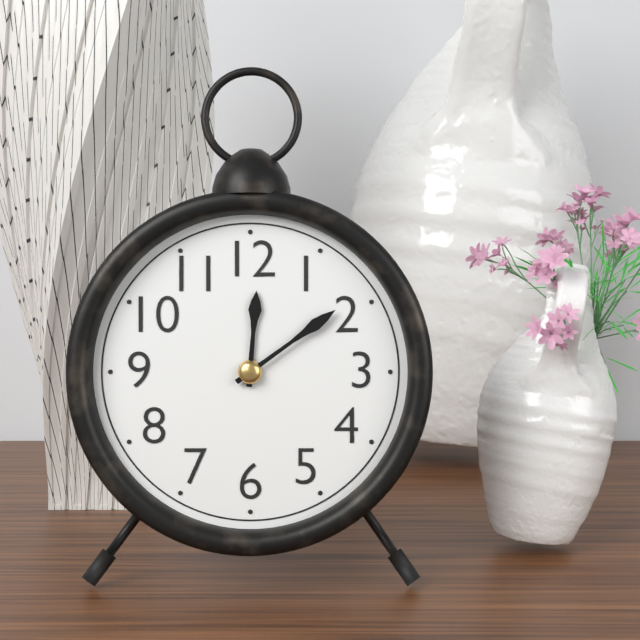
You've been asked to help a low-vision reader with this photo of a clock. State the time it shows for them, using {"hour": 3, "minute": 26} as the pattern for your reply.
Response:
{"hour": 12, "minute": 9}
